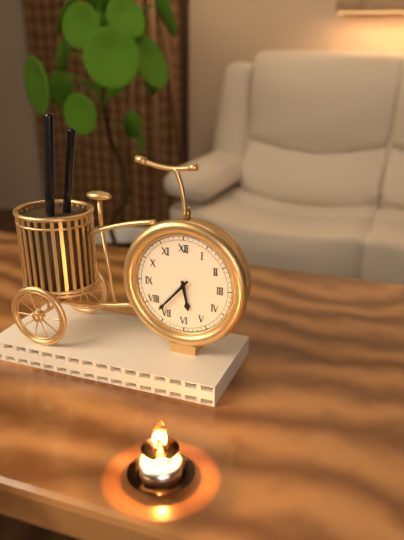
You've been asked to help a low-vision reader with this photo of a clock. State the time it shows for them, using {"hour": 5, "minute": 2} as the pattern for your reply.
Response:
{"hour": 5, "minute": 37}
